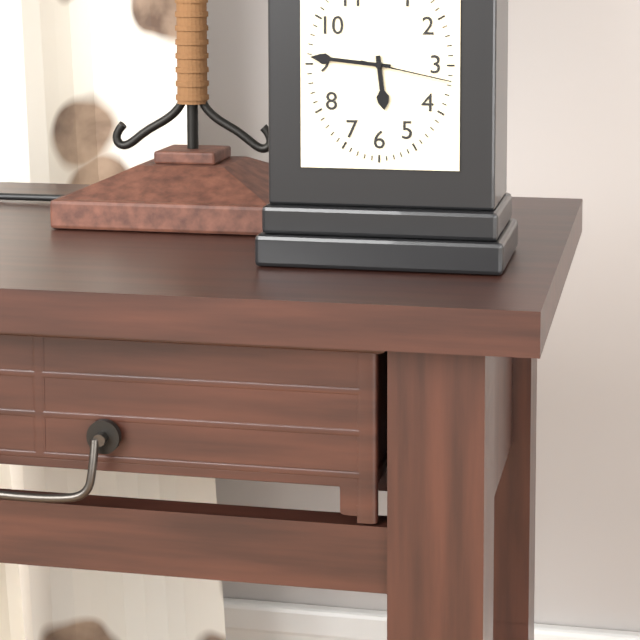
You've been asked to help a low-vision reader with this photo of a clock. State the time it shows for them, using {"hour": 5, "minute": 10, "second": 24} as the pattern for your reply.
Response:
{"hour": 5, "minute": 46, "second": 17}
